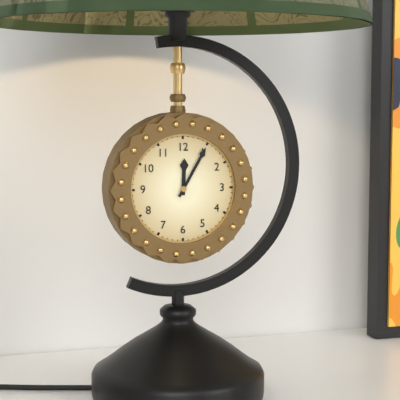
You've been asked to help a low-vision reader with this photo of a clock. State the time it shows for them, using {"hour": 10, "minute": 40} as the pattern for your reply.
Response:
{"hour": 12, "minute": 5}
